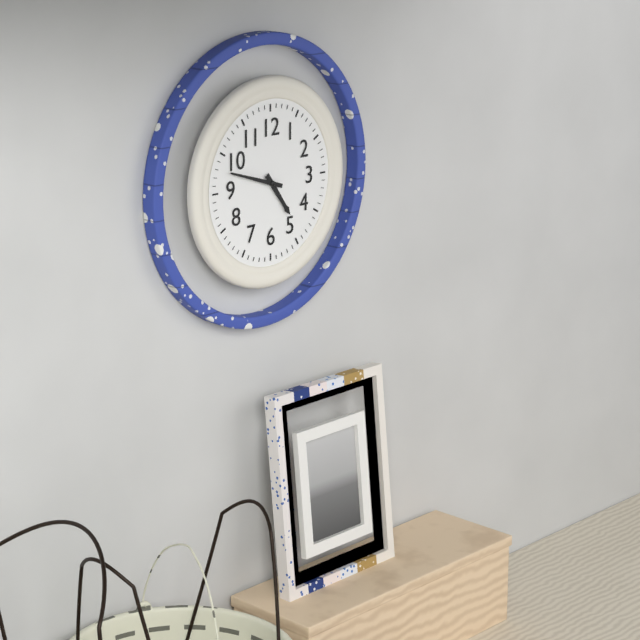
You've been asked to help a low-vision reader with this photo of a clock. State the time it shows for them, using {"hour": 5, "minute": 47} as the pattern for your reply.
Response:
{"hour": 4, "minute": 48}
